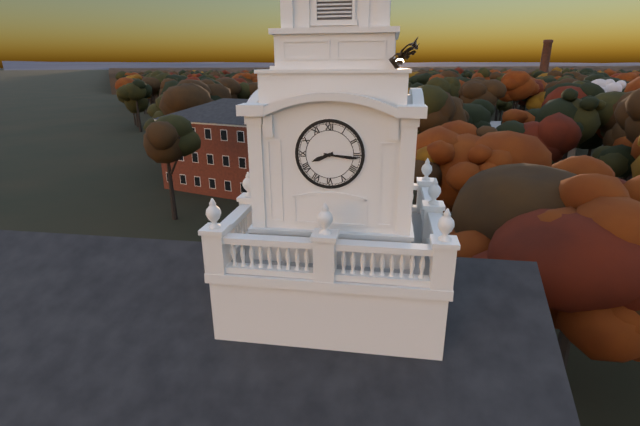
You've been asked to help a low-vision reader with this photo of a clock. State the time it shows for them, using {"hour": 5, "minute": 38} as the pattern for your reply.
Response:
{"hour": 8, "minute": 16}
